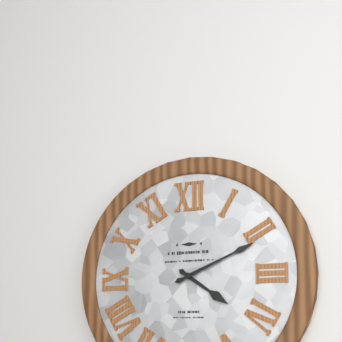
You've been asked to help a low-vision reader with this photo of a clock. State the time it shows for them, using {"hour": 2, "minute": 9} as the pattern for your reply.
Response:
{"hour": 4, "minute": 11}
